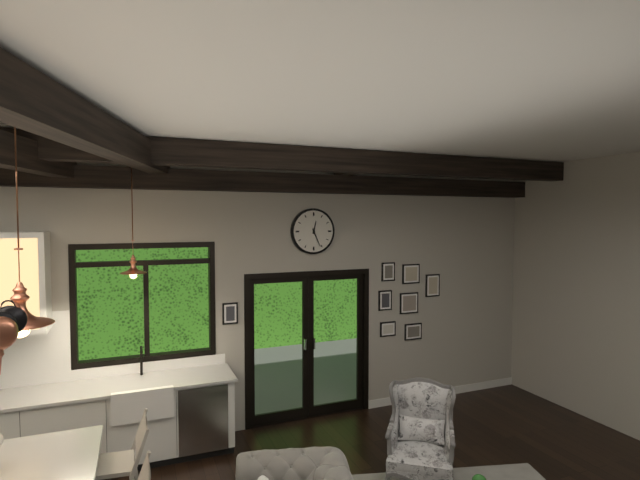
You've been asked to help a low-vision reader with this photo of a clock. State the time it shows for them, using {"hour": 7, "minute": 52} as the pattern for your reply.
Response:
{"hour": 12, "minute": 26}
